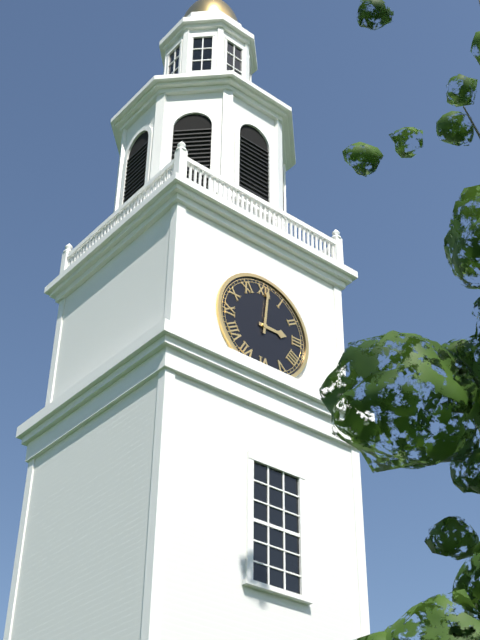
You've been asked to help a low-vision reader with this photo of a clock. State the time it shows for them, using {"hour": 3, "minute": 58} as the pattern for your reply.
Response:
{"hour": 3, "minute": 1}
